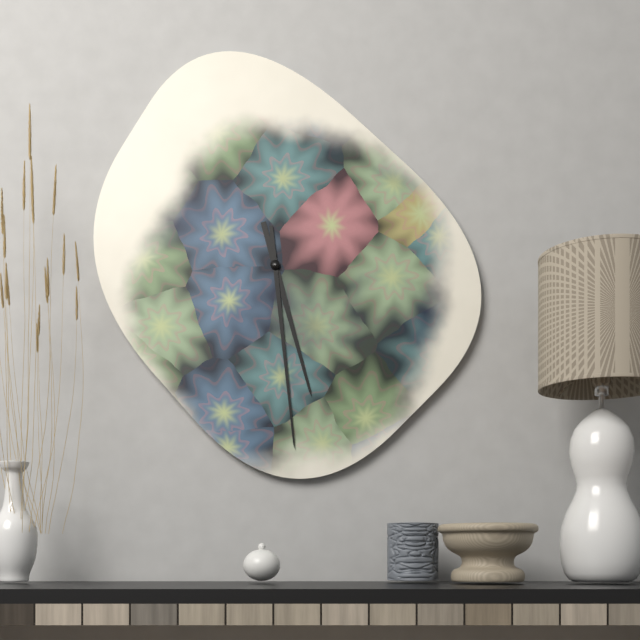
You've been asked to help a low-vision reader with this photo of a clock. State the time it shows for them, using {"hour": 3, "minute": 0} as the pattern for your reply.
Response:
{"hour": 5, "minute": 29}
